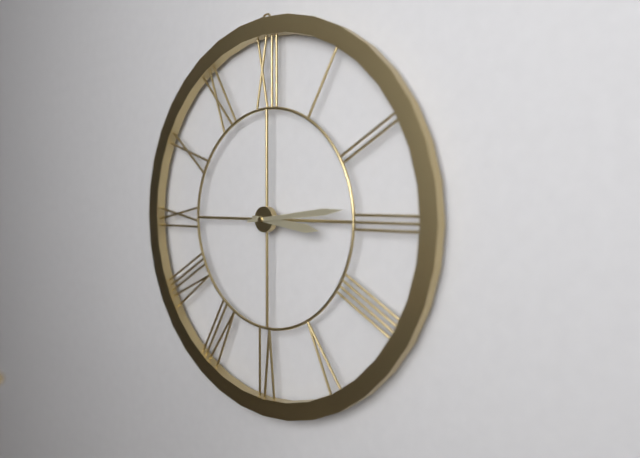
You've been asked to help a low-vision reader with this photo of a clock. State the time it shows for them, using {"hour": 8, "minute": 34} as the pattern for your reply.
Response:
{"hour": 3, "minute": 14}
